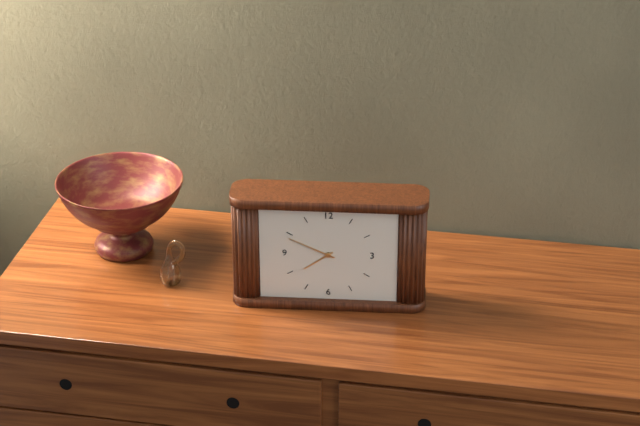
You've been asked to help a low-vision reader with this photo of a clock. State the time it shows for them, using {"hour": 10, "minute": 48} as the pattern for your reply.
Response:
{"hour": 7, "minute": 49}
